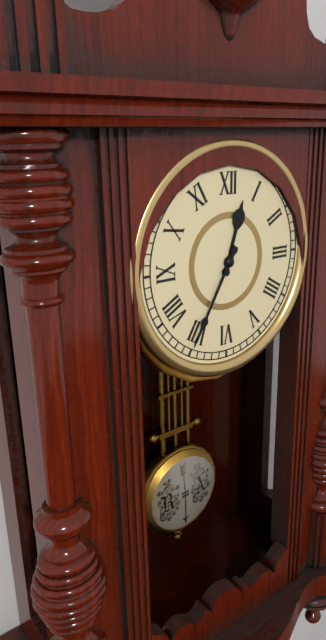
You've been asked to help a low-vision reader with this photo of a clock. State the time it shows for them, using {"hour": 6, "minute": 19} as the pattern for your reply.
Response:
{"hour": 12, "minute": 35}
